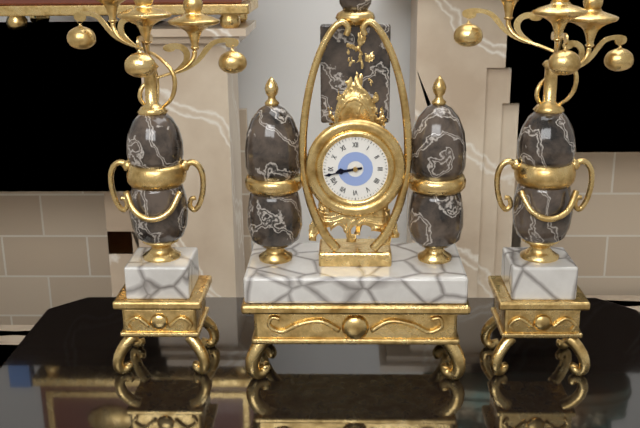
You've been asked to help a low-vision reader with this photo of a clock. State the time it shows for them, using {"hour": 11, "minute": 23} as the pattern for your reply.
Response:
{"hour": 8, "minute": 43}
